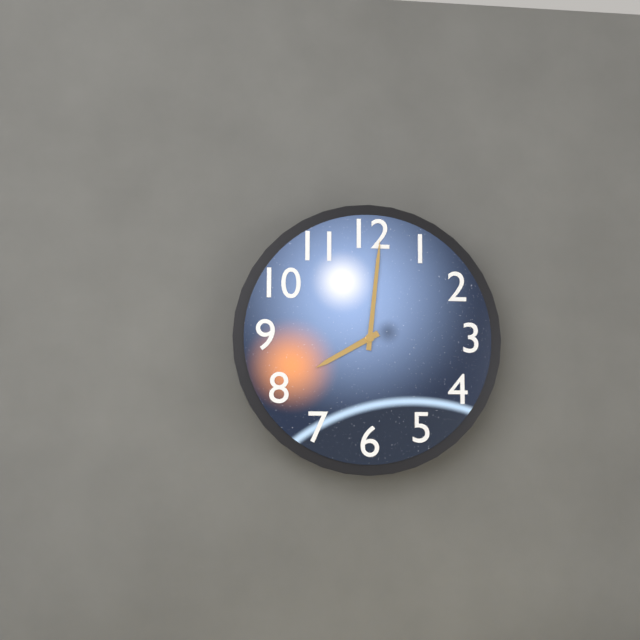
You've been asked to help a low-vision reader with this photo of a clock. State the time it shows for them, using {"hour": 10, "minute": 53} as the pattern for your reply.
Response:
{"hour": 8, "minute": 1}
